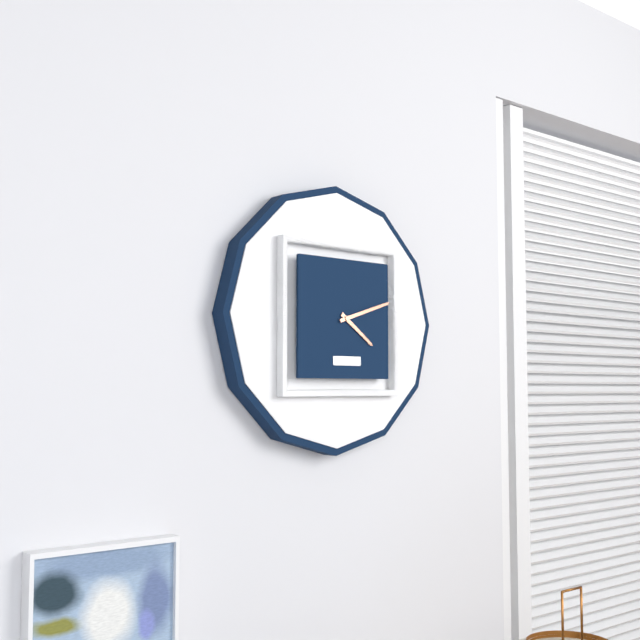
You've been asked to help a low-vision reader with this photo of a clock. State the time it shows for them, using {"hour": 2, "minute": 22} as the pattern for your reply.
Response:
{"hour": 4, "minute": 12}
